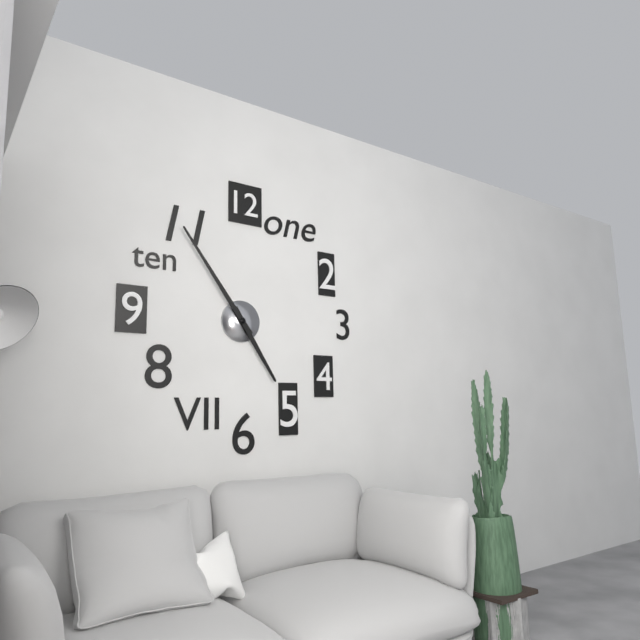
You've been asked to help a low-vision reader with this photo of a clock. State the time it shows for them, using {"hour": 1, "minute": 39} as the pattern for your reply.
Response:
{"hour": 4, "minute": 54}
